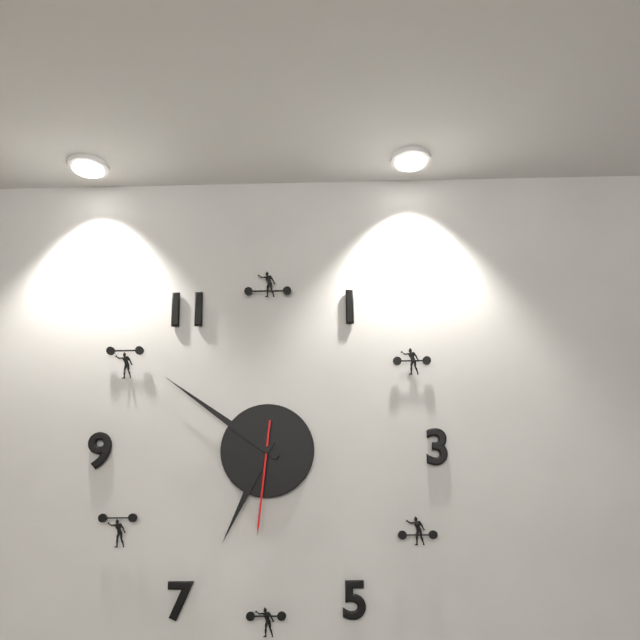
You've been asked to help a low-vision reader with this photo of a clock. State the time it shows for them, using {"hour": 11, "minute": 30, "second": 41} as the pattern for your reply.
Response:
{"hour": 6, "minute": 51, "second": 31}
